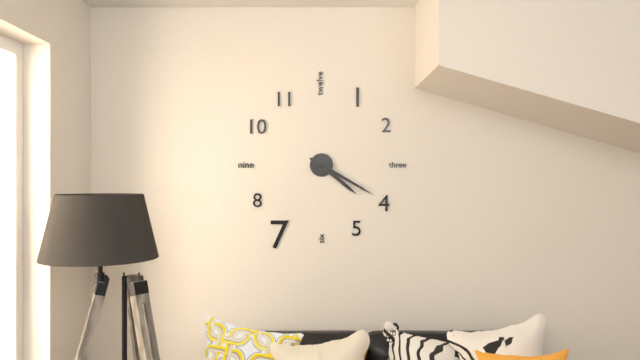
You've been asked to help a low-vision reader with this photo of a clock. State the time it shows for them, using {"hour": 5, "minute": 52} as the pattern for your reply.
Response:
{"hour": 4, "minute": 20}
